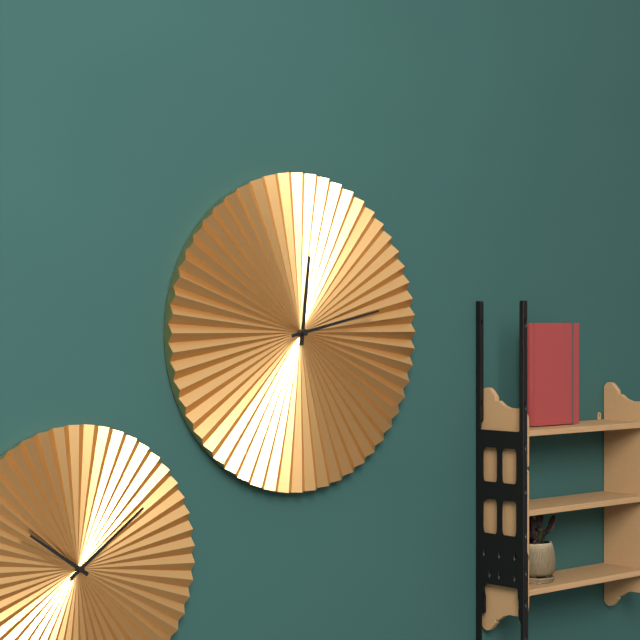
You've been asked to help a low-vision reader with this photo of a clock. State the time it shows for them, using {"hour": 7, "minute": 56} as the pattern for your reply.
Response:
{"hour": 12, "minute": 13}
